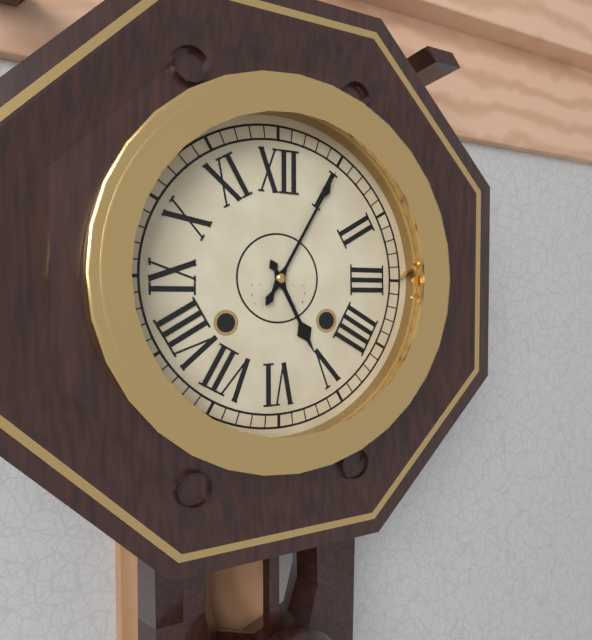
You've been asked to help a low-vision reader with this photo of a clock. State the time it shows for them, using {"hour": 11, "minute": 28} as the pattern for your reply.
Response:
{"hour": 5, "minute": 5}
